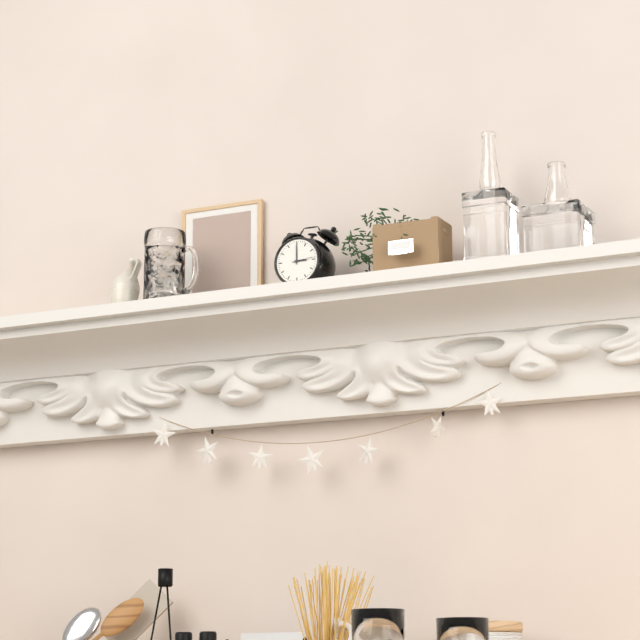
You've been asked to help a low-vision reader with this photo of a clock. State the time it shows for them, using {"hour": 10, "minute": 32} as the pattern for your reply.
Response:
{"hour": 3, "minute": 0}
